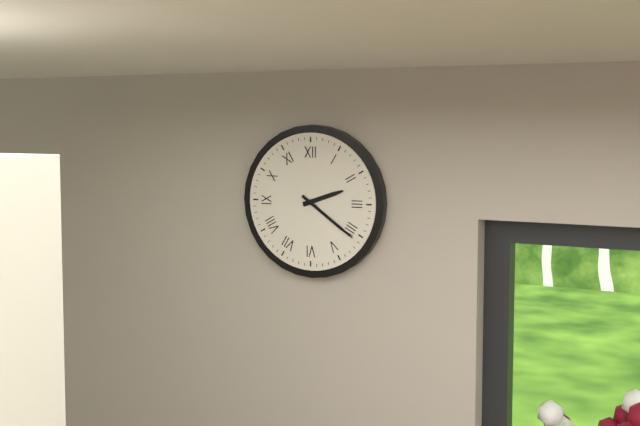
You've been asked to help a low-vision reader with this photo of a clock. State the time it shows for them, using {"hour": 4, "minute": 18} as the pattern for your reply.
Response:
{"hour": 2, "minute": 21}
